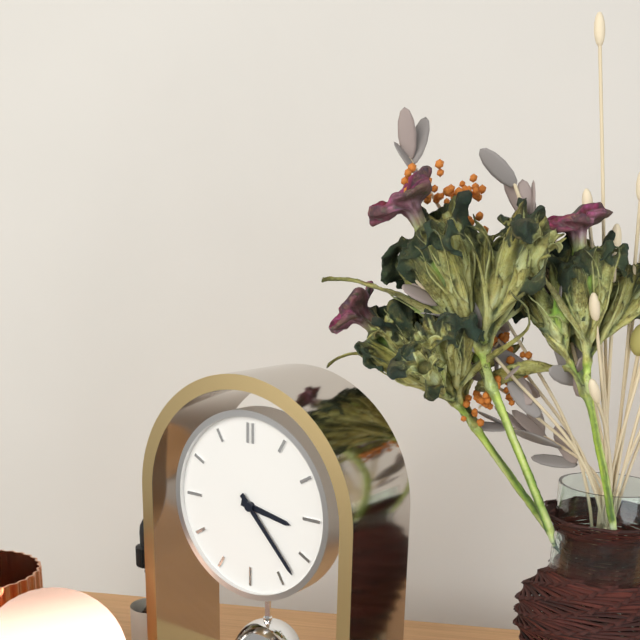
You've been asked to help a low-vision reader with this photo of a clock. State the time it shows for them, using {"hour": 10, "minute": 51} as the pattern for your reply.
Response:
{"hour": 3, "minute": 23}
